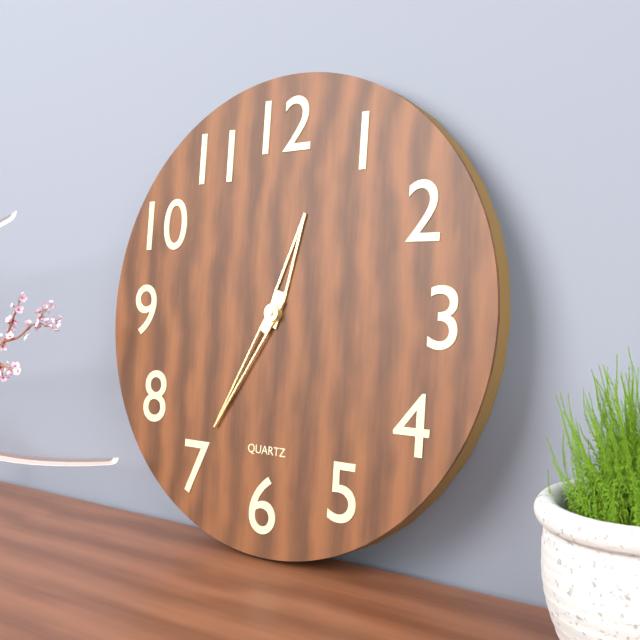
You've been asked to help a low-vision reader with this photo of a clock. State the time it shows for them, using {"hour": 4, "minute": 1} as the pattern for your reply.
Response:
{"hour": 12, "minute": 35}
